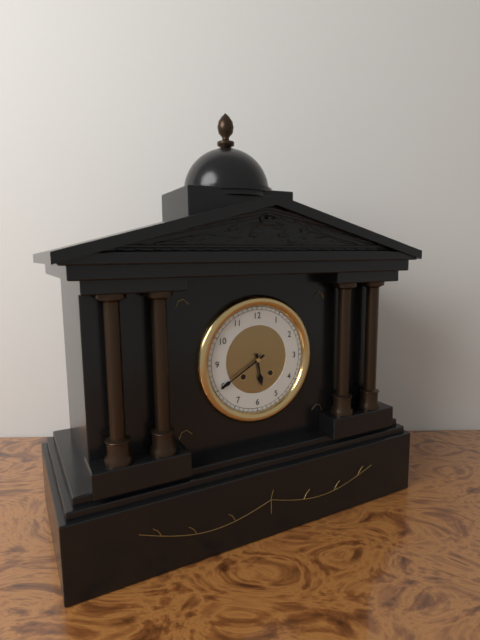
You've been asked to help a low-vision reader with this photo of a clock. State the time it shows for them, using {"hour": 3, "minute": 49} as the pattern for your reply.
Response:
{"hour": 5, "minute": 40}
